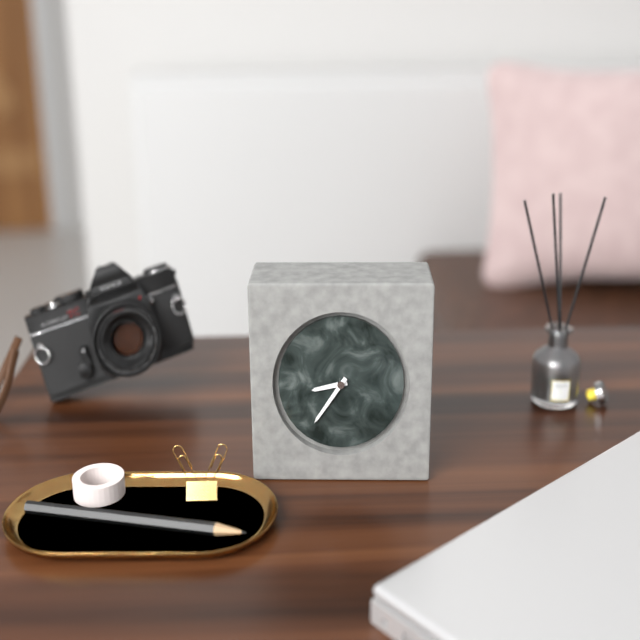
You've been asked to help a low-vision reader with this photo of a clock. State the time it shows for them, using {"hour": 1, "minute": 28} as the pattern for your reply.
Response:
{"hour": 8, "minute": 36}
